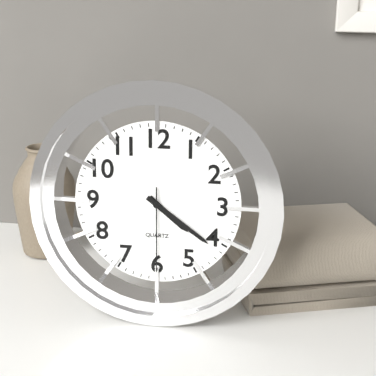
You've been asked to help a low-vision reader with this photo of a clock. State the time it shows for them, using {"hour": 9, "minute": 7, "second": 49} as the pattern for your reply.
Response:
{"hour": 4, "minute": 21, "second": 30}
